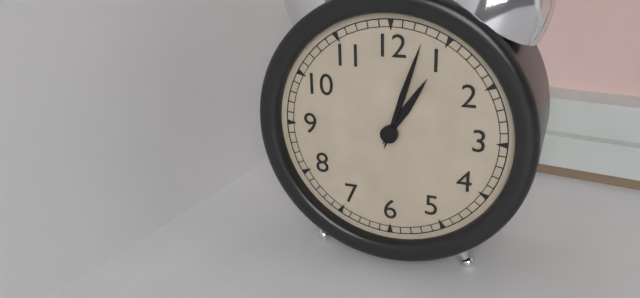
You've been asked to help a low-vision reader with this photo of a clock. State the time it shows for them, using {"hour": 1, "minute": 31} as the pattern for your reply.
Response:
{"hour": 1, "minute": 3}
